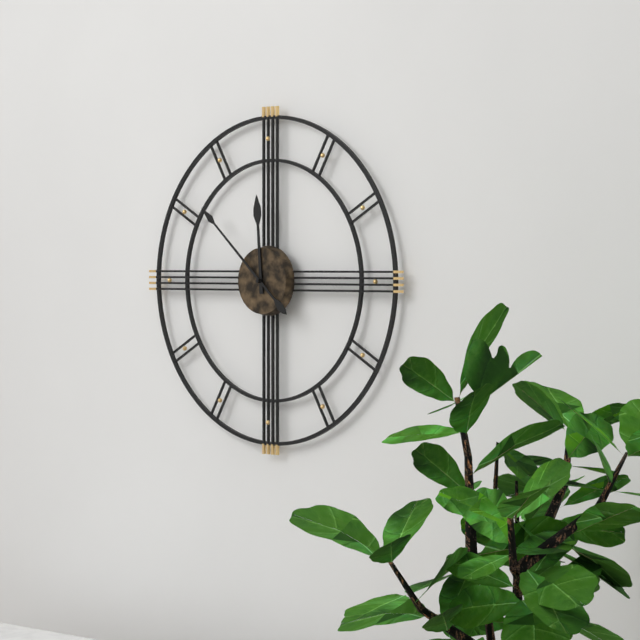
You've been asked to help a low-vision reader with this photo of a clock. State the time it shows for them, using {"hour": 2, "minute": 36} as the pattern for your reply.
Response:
{"hour": 11, "minute": 52}
